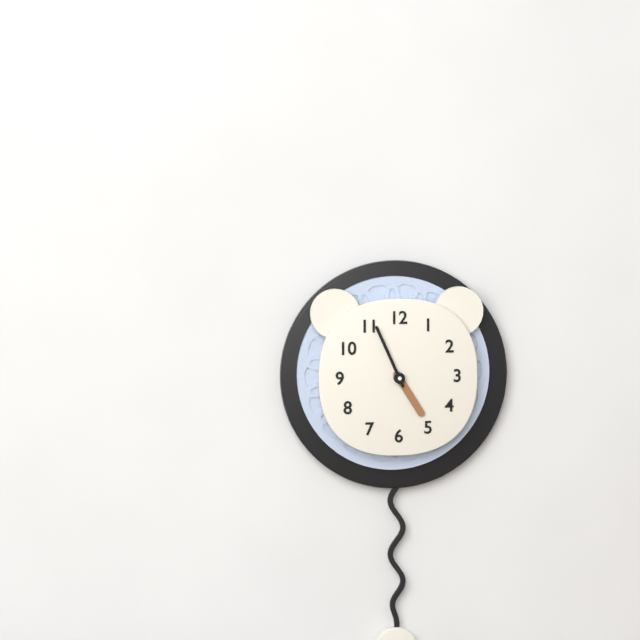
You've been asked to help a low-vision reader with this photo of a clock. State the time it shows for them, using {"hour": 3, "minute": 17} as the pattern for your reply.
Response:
{"hour": 4, "minute": 56}
